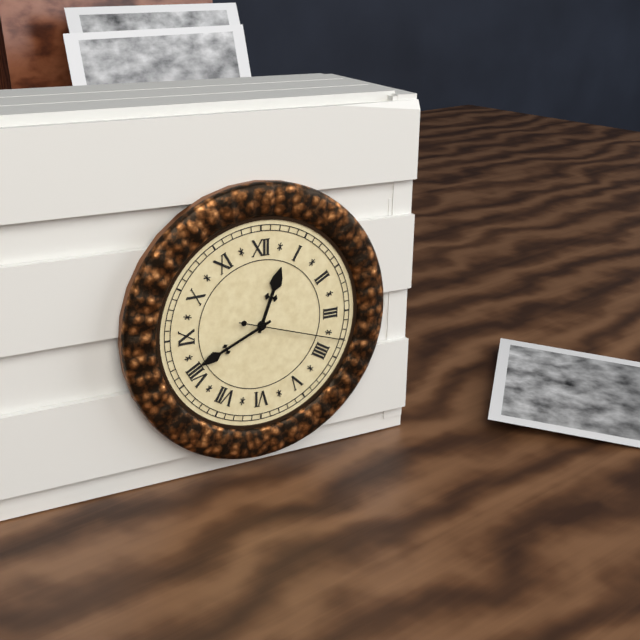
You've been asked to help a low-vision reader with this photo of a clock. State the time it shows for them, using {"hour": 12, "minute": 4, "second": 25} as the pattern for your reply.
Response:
{"hour": 12, "minute": 41, "second": 18}
